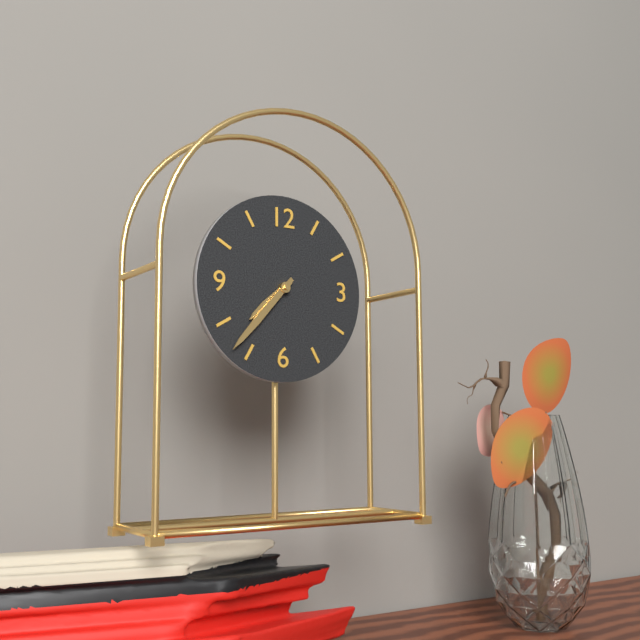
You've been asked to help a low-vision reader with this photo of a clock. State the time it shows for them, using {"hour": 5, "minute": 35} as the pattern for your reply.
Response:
{"hour": 7, "minute": 37}
